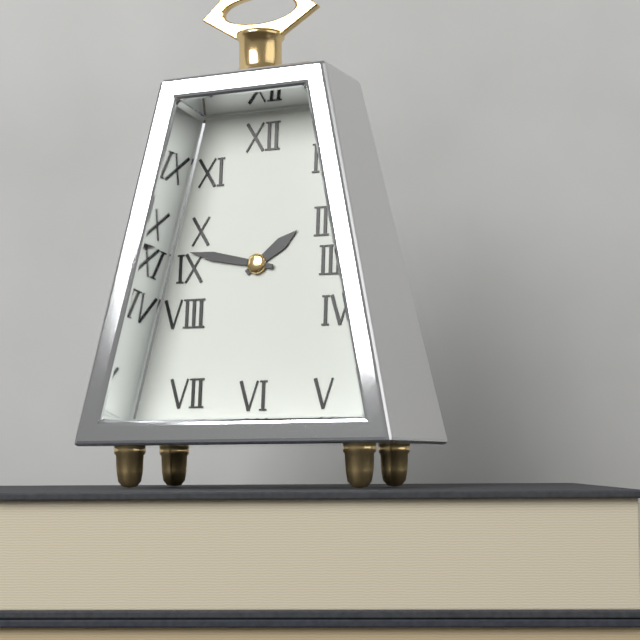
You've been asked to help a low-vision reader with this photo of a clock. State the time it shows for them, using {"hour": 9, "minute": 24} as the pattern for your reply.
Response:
{"hour": 1, "minute": 47}
